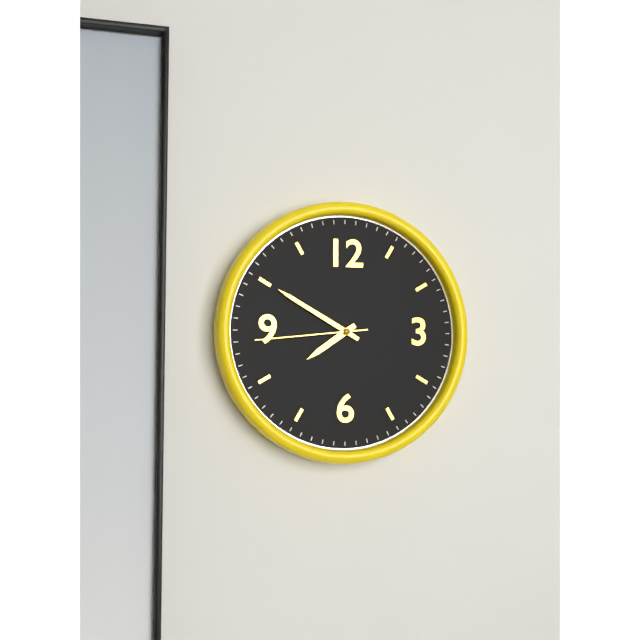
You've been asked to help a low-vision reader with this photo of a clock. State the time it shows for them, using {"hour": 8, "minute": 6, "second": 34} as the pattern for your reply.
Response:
{"hour": 7, "minute": 50, "second": 44}
